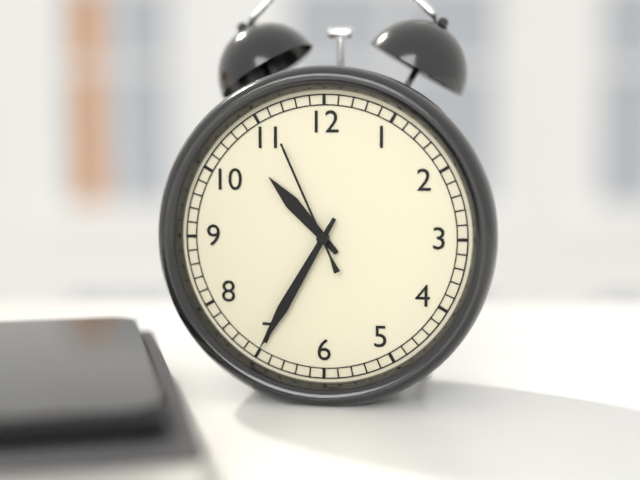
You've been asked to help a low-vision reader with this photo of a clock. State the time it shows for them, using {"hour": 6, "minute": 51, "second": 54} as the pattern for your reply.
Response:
{"hour": 10, "minute": 35, "second": 56}
